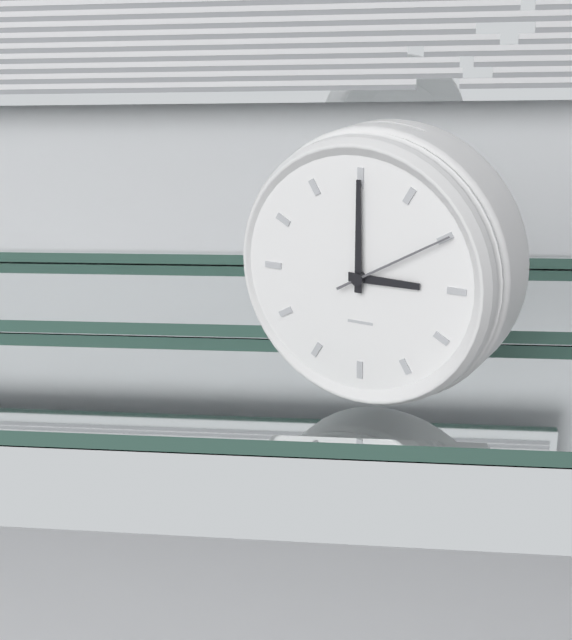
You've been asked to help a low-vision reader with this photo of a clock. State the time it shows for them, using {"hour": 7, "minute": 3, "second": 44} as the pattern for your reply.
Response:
{"hour": 3, "minute": 0, "second": 10}
